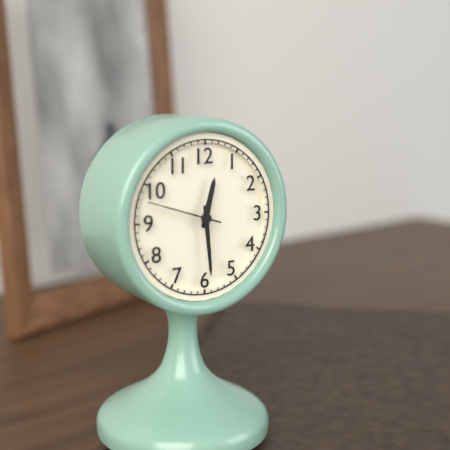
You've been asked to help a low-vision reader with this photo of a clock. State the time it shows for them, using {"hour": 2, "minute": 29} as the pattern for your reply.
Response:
{"hour": 12, "minute": 29}
